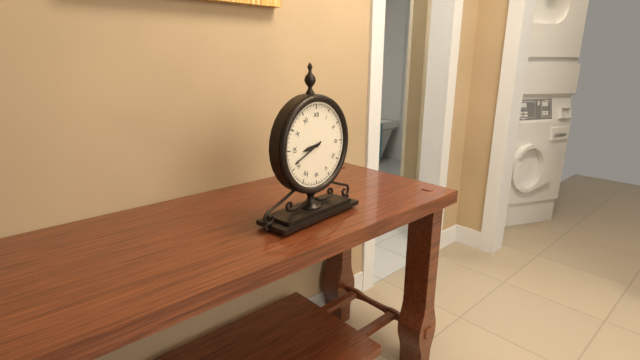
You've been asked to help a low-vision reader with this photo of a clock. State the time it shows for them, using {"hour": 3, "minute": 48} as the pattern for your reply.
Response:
{"hour": 8, "minute": 41}
